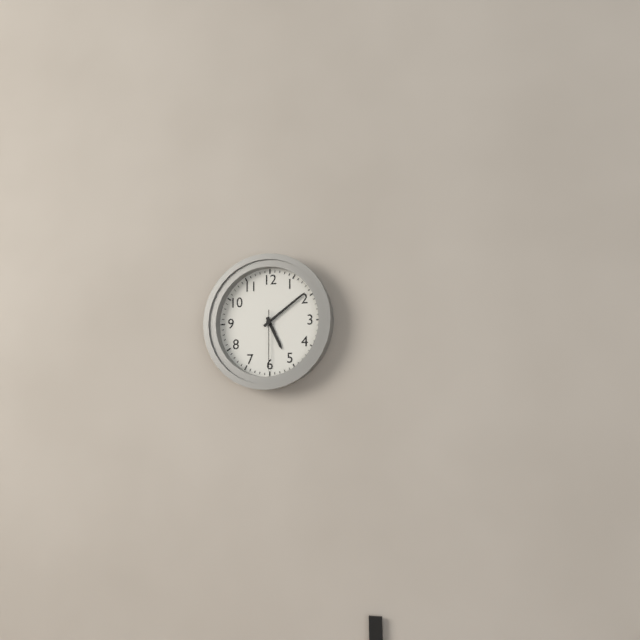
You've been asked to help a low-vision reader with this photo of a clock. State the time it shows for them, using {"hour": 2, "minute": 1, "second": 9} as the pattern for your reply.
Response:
{"hour": 5, "minute": 9, "second": 30}
